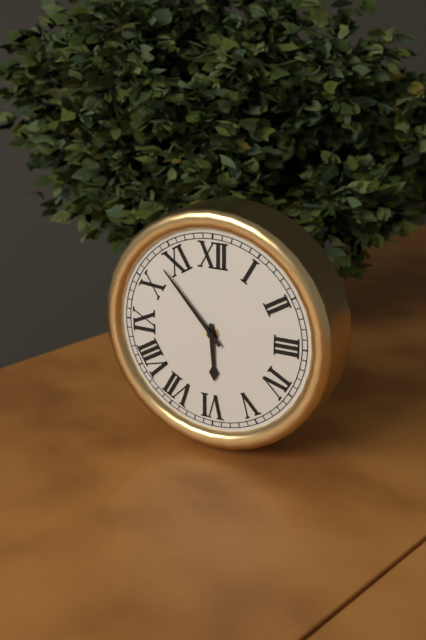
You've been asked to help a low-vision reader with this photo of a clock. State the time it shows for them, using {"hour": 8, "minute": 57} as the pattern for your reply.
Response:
{"hour": 5, "minute": 53}
